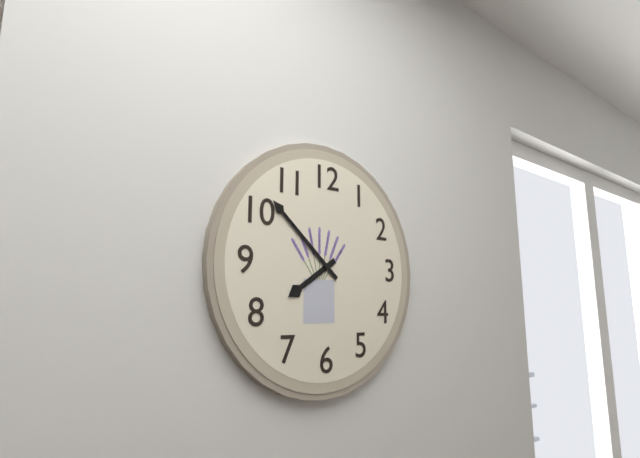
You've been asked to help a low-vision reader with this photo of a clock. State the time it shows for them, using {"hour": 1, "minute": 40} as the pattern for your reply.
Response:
{"hour": 7, "minute": 52}
